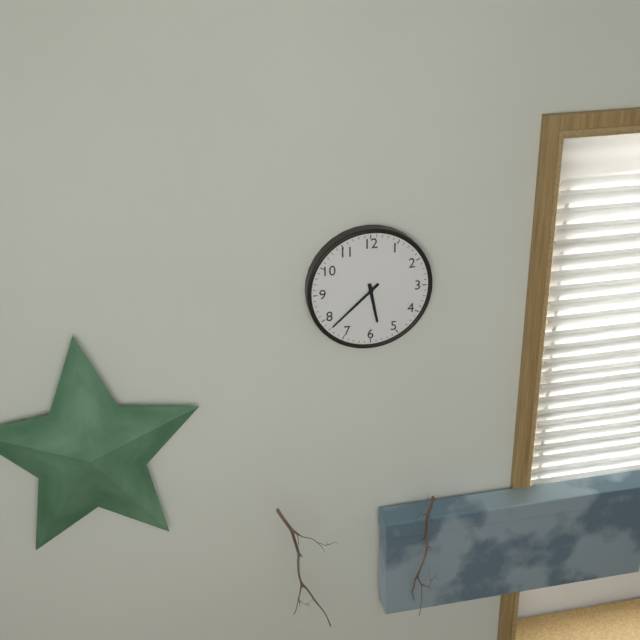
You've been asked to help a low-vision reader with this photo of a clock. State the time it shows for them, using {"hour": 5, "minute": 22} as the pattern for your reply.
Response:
{"hour": 5, "minute": 38}
